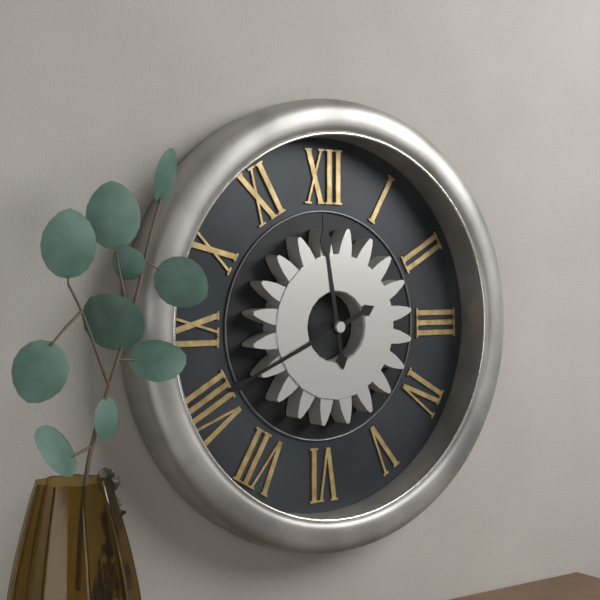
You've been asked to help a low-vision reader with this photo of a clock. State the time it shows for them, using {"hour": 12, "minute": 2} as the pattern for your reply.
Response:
{"hour": 11, "minute": 41}
